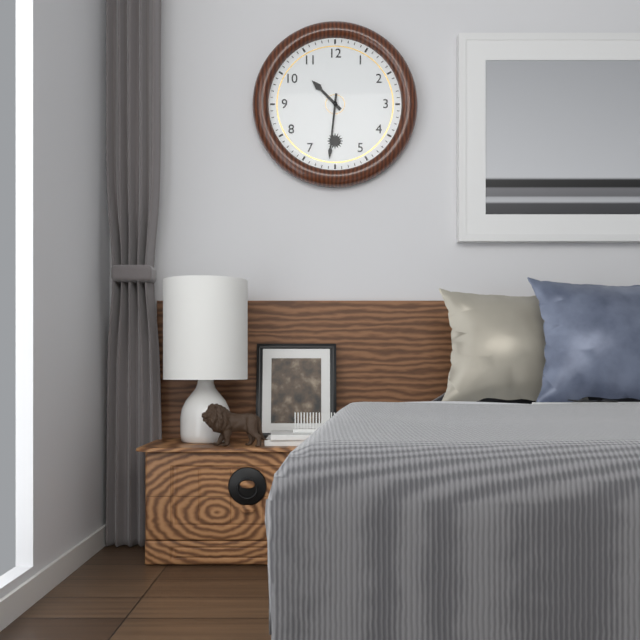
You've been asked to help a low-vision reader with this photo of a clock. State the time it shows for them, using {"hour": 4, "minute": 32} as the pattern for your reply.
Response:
{"hour": 10, "minute": 31}
